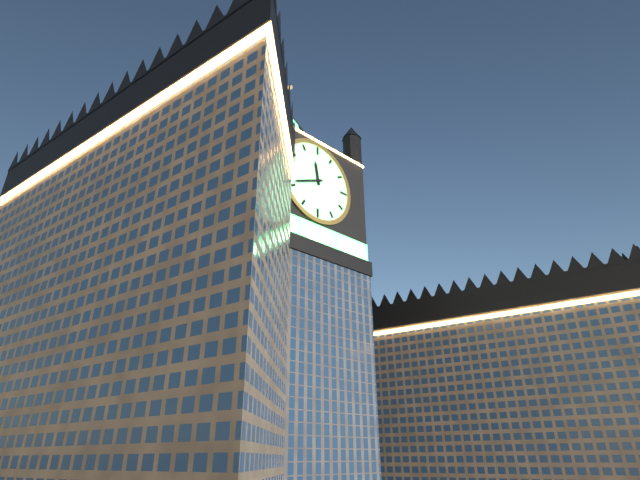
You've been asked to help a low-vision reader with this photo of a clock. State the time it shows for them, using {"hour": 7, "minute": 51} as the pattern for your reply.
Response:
{"hour": 11, "minute": 41}
